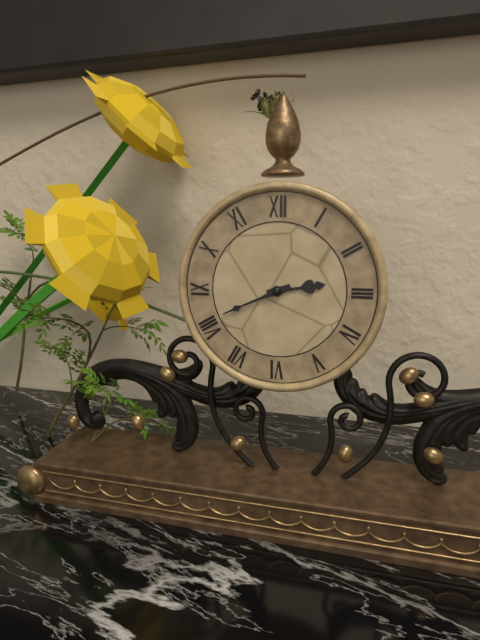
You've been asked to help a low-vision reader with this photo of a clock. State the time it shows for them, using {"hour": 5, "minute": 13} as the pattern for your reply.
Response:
{"hour": 2, "minute": 41}
